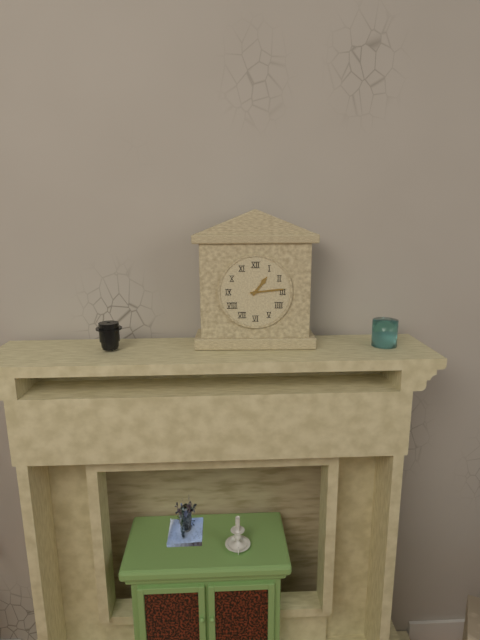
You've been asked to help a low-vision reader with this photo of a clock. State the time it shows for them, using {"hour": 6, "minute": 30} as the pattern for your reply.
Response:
{"hour": 1, "minute": 14}
